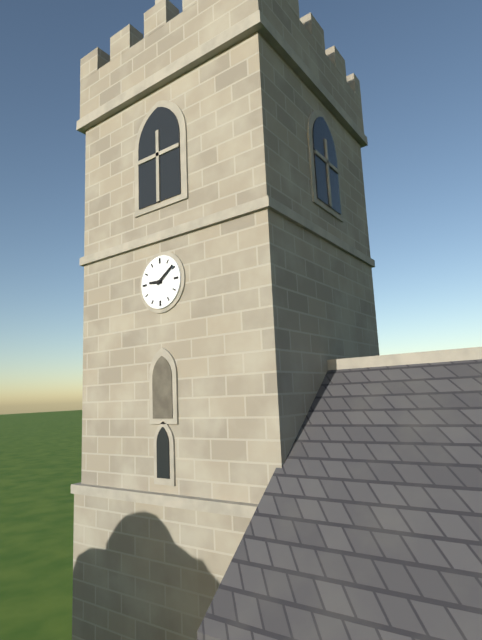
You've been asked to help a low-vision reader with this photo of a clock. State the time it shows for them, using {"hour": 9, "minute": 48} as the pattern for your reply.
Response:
{"hour": 9, "minute": 9}
